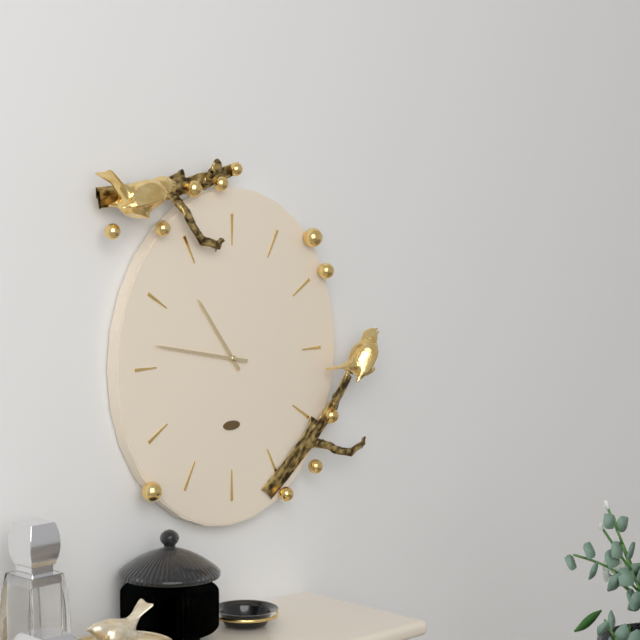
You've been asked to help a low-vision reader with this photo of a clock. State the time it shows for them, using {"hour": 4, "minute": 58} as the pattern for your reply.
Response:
{"hour": 10, "minute": 47}
